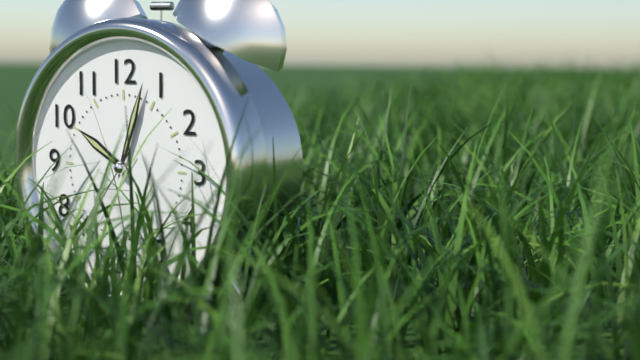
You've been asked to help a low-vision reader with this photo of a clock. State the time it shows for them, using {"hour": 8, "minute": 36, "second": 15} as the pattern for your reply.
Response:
{"hour": 10, "minute": 3, "second": 36}
